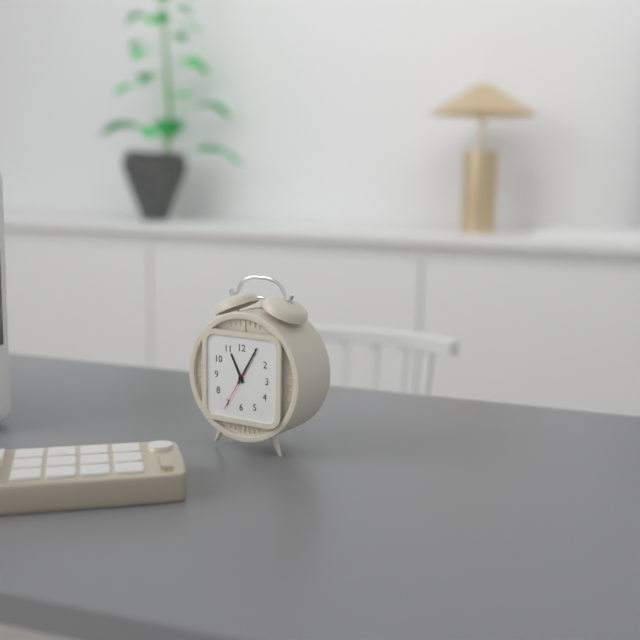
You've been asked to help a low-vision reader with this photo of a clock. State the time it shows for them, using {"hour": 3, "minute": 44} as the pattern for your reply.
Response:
{"hour": 11, "minute": 5}
